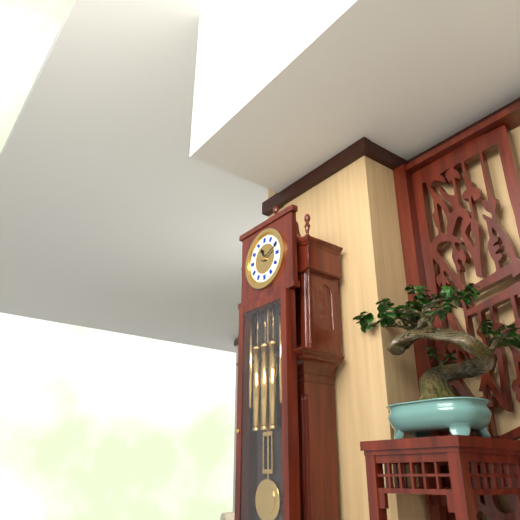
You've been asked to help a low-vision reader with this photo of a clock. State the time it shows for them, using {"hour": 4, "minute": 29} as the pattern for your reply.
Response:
{"hour": 11, "minute": 11}
